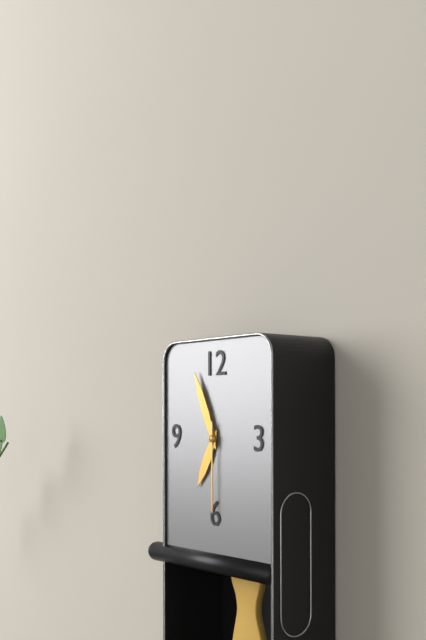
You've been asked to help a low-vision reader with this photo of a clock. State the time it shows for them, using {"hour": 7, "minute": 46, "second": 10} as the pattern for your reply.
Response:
{"hour": 6, "minute": 56, "second": 30}
